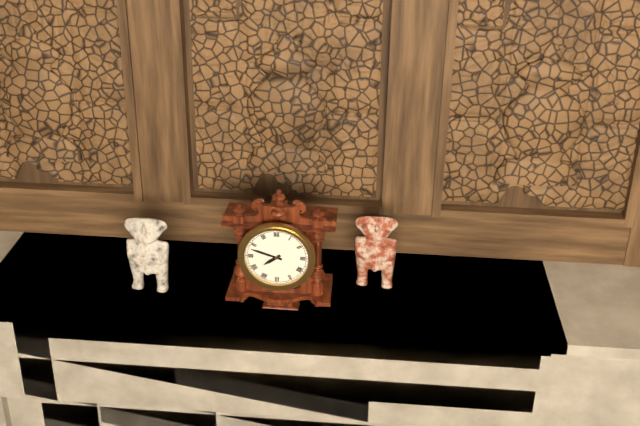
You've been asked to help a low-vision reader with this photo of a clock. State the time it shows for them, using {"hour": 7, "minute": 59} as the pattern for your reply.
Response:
{"hour": 7, "minute": 48}
